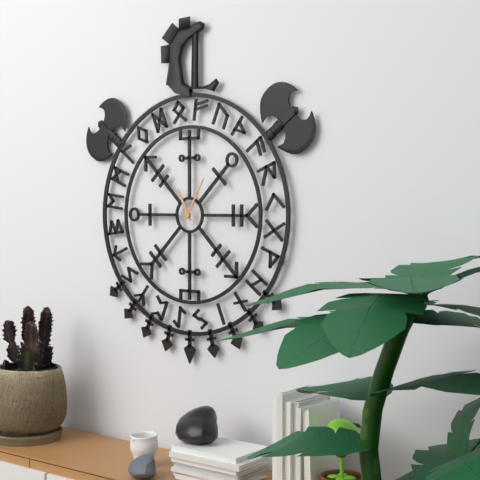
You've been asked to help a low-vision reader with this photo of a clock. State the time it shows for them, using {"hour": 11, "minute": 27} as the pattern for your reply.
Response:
{"hour": 11, "minute": 5}
